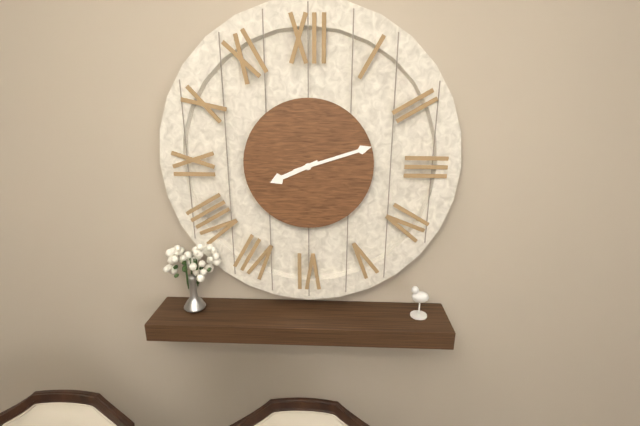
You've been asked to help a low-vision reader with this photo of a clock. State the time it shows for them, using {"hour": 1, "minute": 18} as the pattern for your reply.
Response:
{"hour": 8, "minute": 12}
